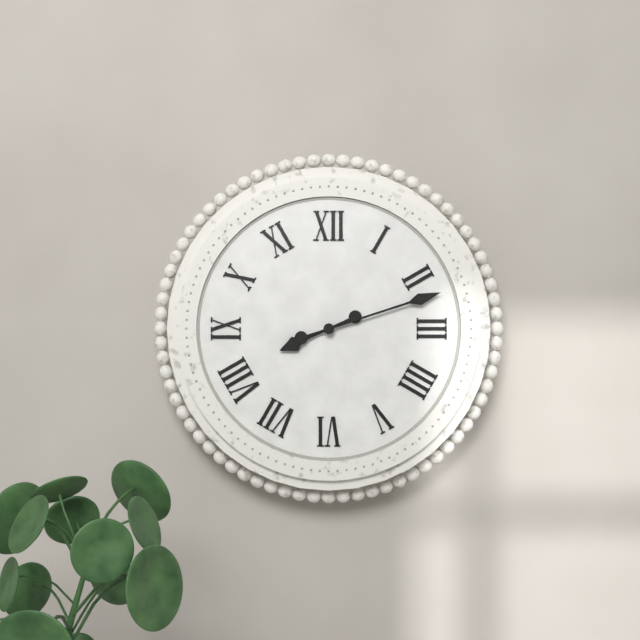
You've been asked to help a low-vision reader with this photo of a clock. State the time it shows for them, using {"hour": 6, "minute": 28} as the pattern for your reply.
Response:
{"hour": 8, "minute": 12}
